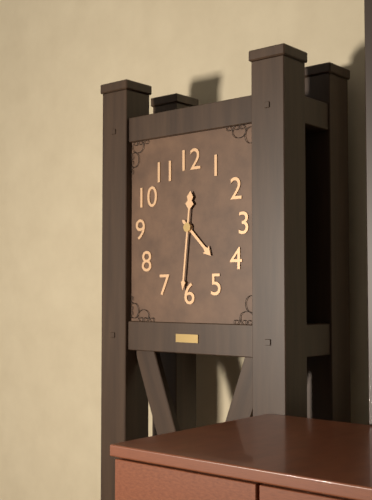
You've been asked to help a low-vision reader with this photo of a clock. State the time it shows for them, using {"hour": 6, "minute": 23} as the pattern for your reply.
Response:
{"hour": 4, "minute": 31}
